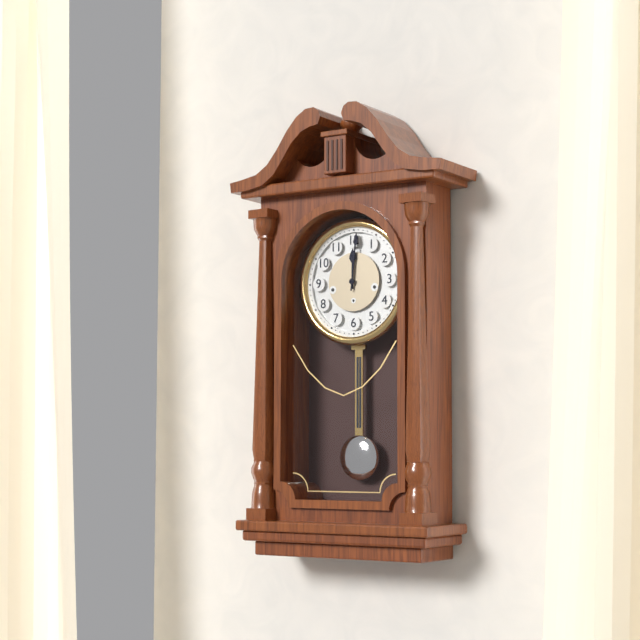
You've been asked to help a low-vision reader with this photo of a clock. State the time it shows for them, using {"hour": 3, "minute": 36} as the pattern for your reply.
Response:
{"hour": 12, "minute": 1}
